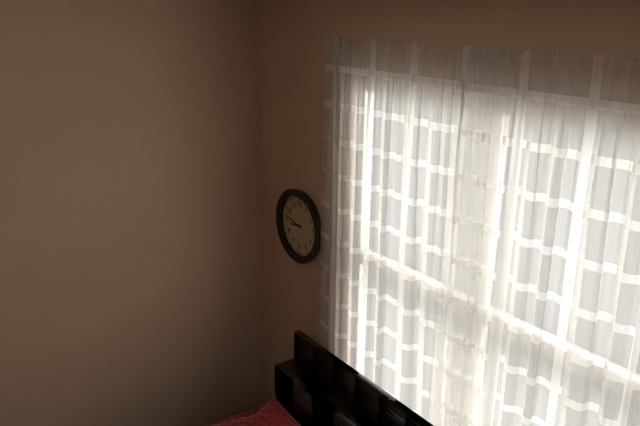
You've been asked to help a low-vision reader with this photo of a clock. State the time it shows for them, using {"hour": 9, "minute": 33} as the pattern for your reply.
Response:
{"hour": 8, "minute": 47}
